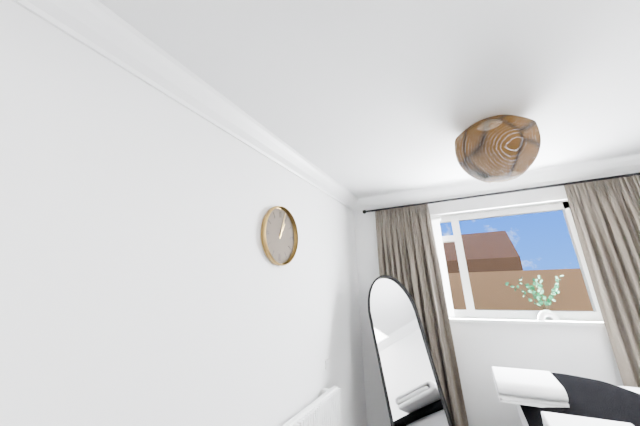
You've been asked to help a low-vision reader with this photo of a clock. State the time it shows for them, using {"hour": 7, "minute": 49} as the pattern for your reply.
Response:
{"hour": 1, "minute": 3}
